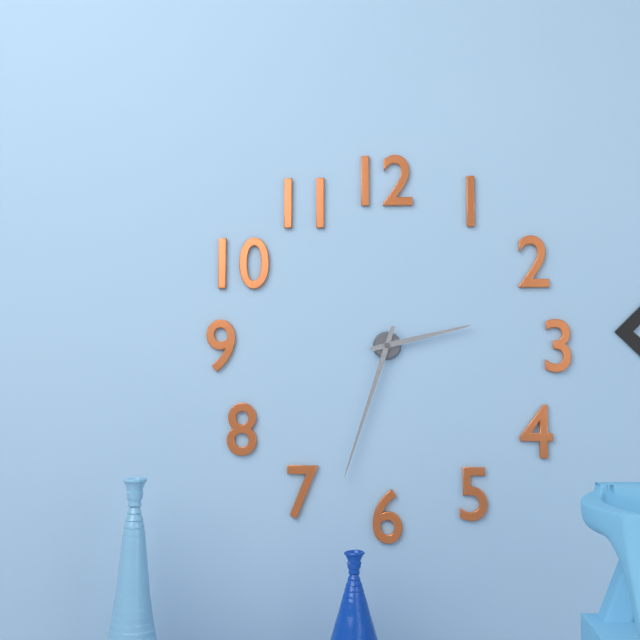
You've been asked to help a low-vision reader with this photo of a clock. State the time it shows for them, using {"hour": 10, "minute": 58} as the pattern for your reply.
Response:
{"hour": 2, "minute": 33}
